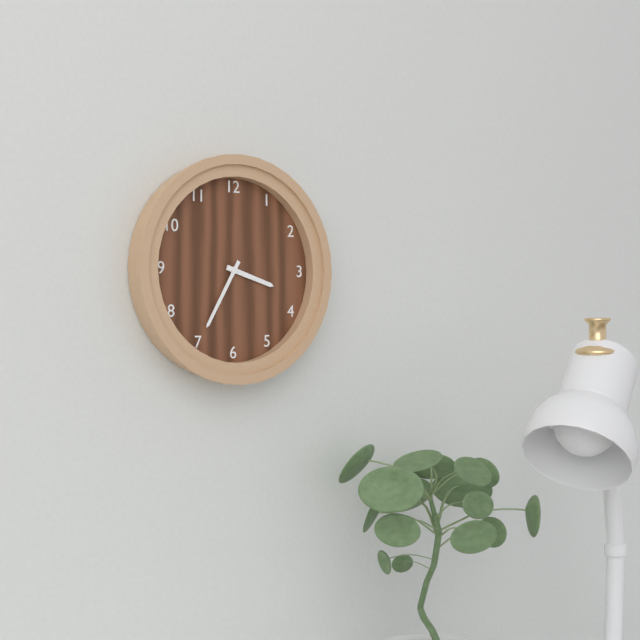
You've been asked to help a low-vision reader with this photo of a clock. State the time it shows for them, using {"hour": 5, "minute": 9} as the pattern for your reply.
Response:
{"hour": 3, "minute": 35}
